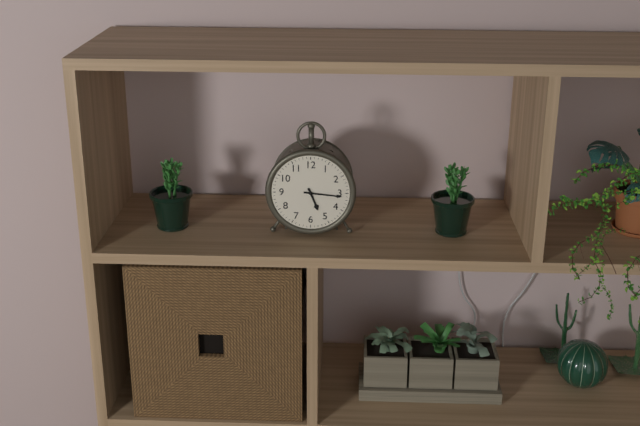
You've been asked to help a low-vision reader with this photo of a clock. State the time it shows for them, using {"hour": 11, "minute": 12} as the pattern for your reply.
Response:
{"hour": 5, "minute": 16}
